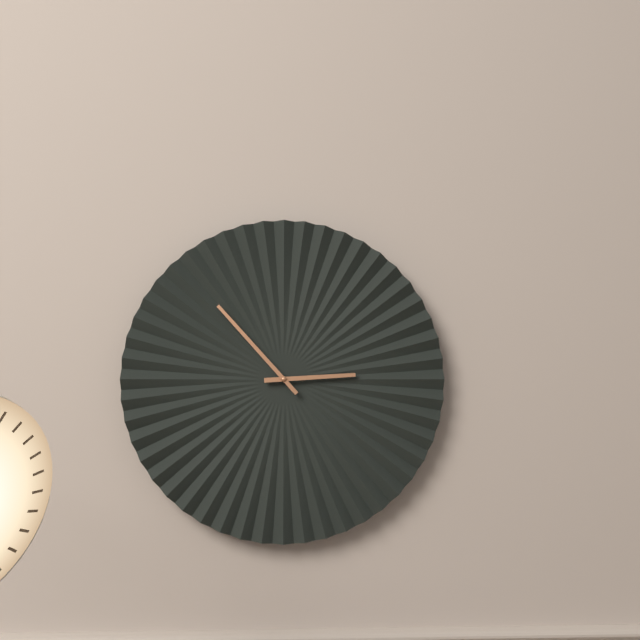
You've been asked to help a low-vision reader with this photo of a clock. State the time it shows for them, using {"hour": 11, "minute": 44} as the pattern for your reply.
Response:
{"hour": 2, "minute": 53}
